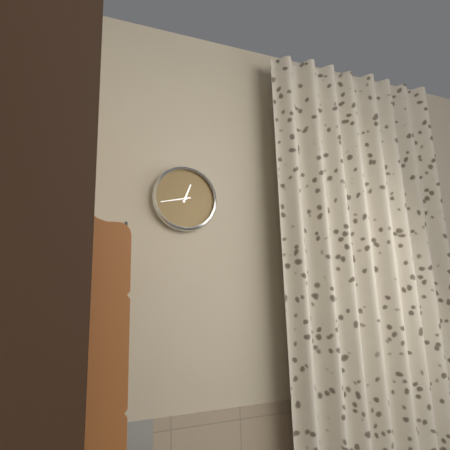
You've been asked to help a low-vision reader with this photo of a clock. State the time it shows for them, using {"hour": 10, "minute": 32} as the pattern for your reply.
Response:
{"hour": 12, "minute": 43}
